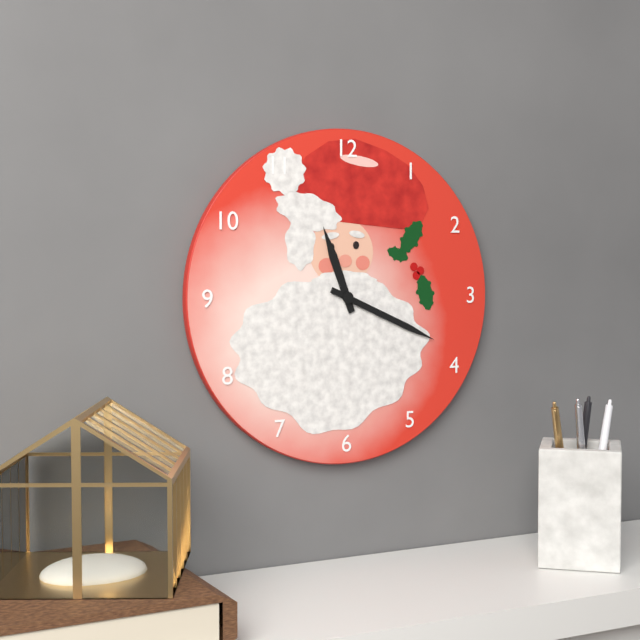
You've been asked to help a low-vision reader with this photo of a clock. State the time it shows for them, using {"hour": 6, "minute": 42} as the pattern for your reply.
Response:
{"hour": 11, "minute": 19}
